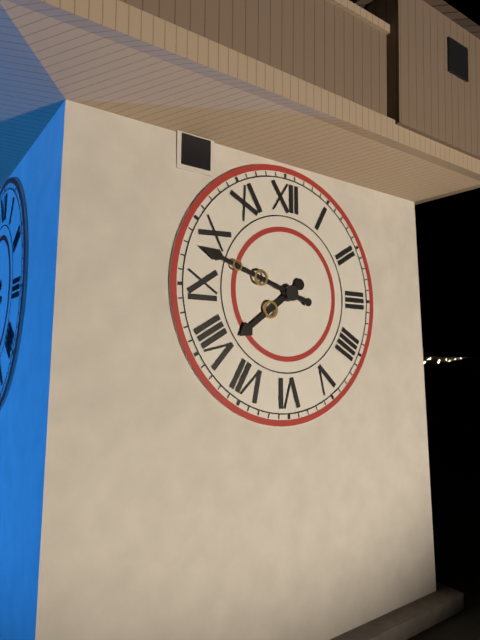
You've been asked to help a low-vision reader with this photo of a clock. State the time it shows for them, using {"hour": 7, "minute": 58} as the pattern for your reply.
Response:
{"hour": 7, "minute": 48}
